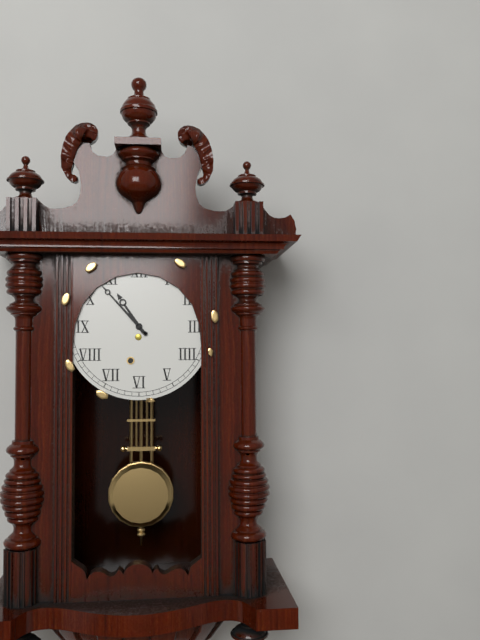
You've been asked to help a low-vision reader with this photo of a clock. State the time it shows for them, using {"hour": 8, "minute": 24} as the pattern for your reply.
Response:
{"hour": 10, "minute": 53}
